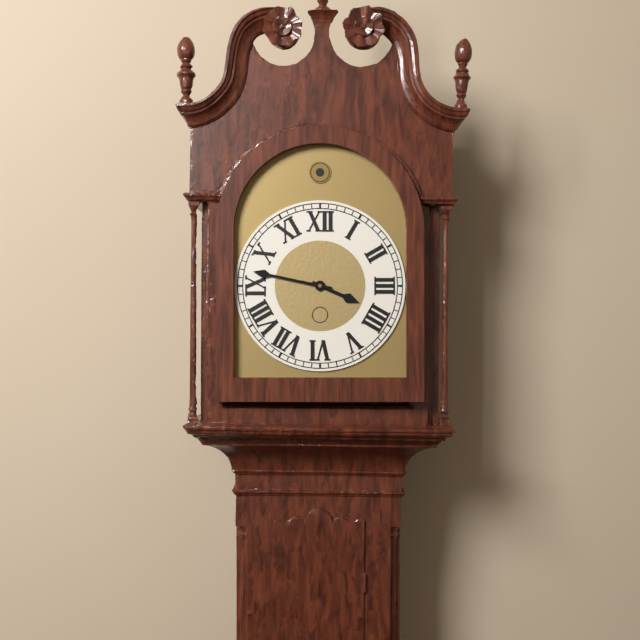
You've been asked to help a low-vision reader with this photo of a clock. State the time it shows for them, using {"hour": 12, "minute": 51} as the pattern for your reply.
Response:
{"hour": 3, "minute": 47}
